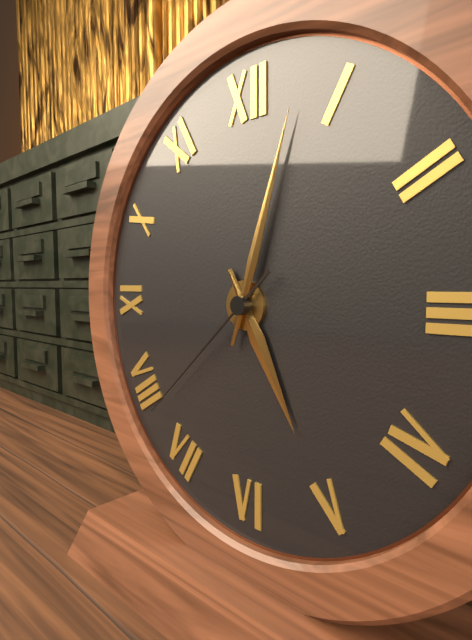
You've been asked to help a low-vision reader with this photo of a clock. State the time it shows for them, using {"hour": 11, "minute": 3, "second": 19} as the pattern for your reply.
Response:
{"hour": 5, "minute": 3, "second": 38}
